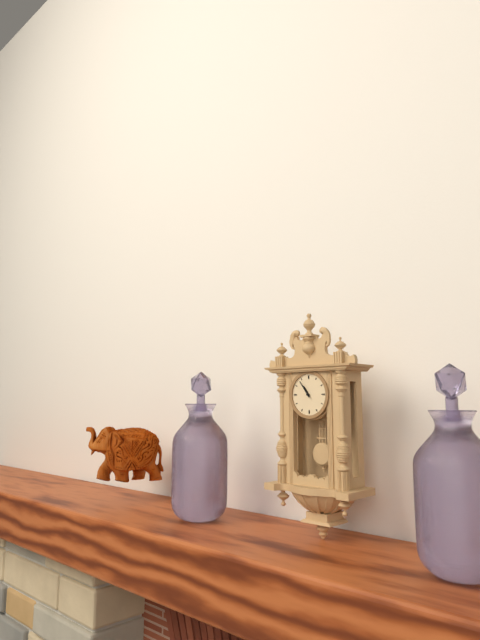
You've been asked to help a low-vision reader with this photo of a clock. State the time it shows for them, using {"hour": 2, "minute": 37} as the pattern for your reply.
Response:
{"hour": 10, "minute": 54}
